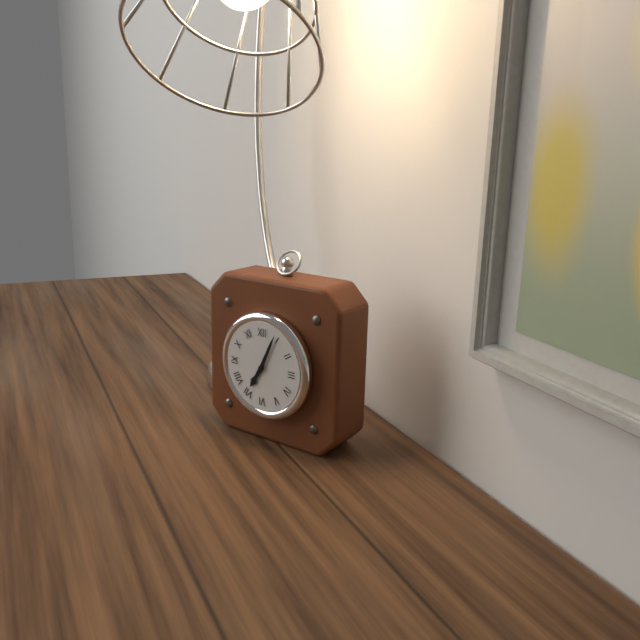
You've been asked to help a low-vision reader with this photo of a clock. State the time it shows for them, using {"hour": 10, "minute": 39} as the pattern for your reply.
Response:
{"hour": 7, "minute": 4}
